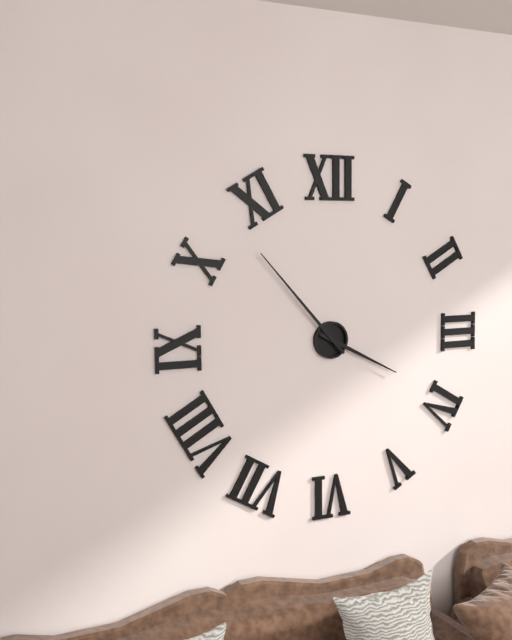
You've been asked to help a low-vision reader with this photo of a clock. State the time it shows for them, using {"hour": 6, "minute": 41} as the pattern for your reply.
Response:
{"hour": 3, "minute": 53}
